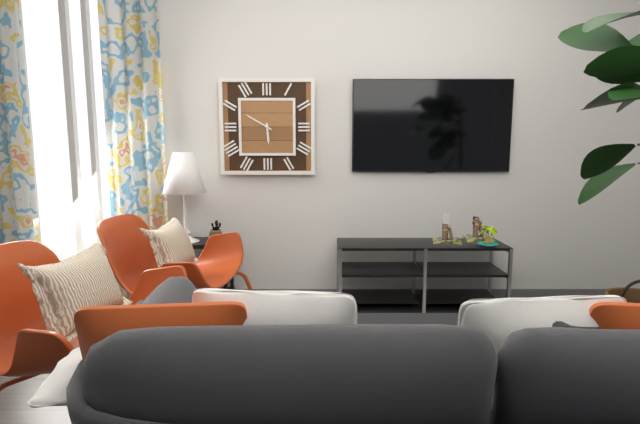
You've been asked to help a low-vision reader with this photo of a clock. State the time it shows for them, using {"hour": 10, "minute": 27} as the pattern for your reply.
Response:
{"hour": 5, "minute": 50}
